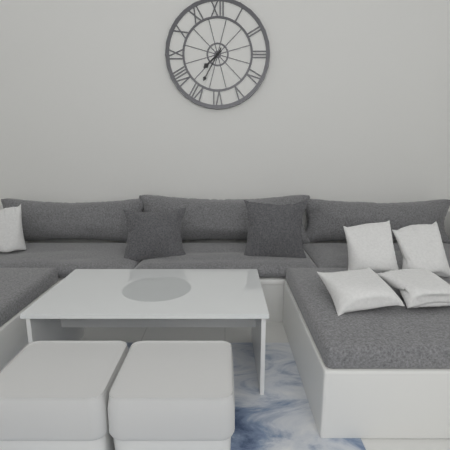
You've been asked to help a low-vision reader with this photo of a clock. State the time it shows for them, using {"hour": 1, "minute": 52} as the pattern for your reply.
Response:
{"hour": 7, "minute": 35}
